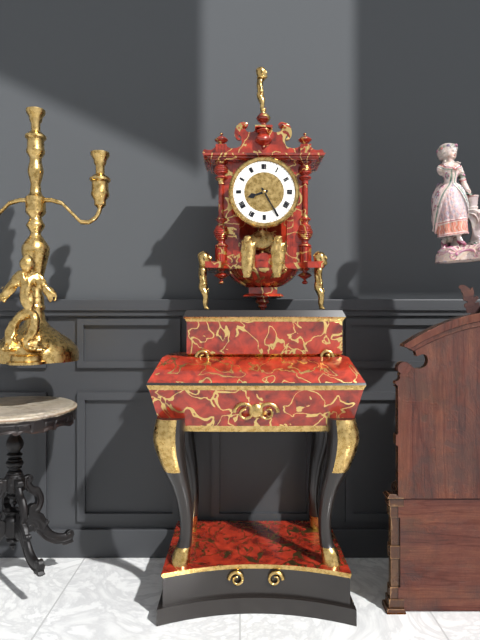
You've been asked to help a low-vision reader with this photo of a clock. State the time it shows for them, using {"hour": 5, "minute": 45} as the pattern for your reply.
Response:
{"hour": 8, "minute": 25}
